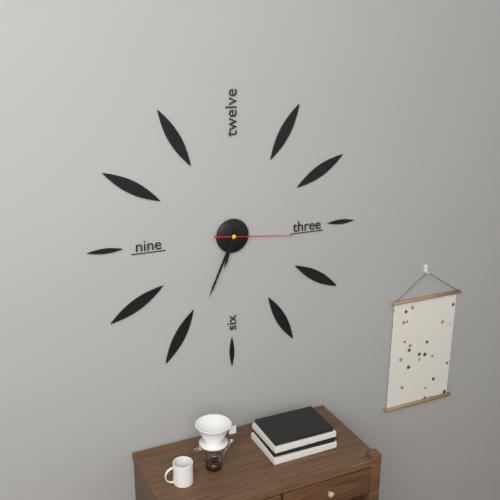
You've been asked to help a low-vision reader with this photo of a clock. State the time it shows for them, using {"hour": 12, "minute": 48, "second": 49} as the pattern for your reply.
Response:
{"hour": 6, "minute": 34, "second": 16}
